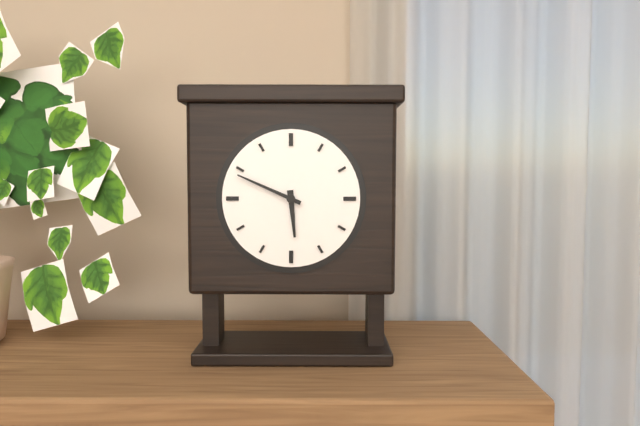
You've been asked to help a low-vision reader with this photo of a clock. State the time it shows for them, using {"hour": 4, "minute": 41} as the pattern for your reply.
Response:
{"hour": 5, "minute": 49}
